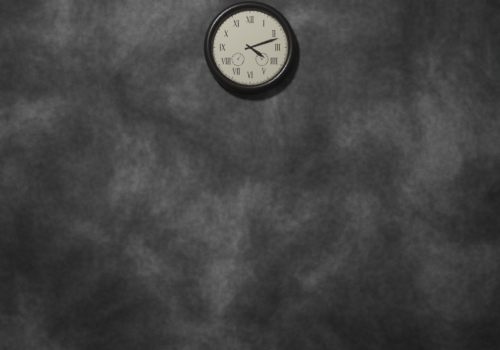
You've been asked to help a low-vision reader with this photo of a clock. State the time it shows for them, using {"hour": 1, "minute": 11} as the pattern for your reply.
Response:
{"hour": 4, "minute": 12}
